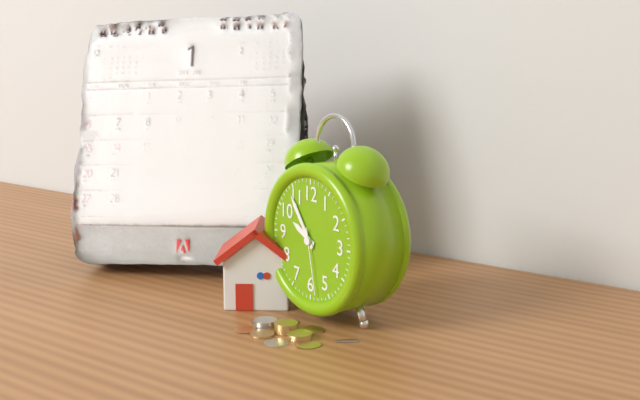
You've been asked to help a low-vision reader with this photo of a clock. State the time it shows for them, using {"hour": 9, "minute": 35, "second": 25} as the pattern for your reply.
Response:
{"hour": 9, "minute": 54, "second": 28}
